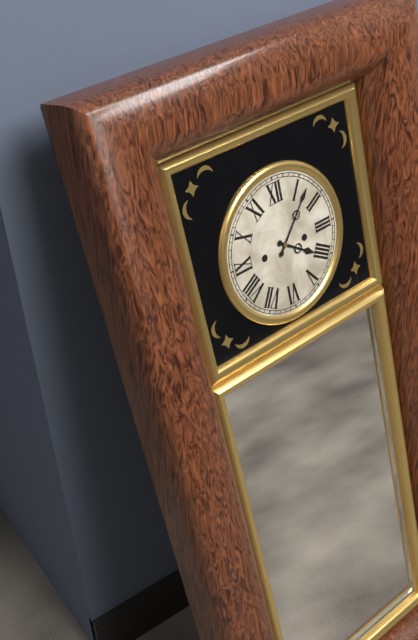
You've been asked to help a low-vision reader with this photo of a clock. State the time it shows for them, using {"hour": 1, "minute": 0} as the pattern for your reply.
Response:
{"hour": 4, "minute": 7}
